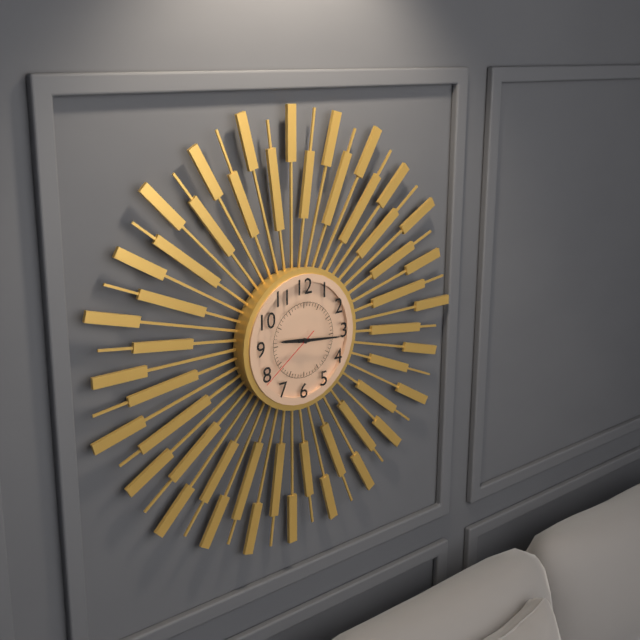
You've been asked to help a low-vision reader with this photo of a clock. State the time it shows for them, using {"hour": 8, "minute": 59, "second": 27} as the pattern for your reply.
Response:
{"hour": 9, "minute": 16, "second": 39}
